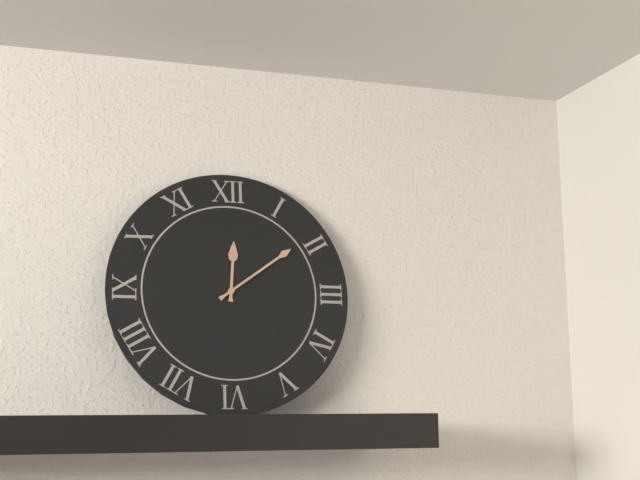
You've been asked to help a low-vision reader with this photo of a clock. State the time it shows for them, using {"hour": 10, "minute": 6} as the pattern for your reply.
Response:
{"hour": 12, "minute": 9}
